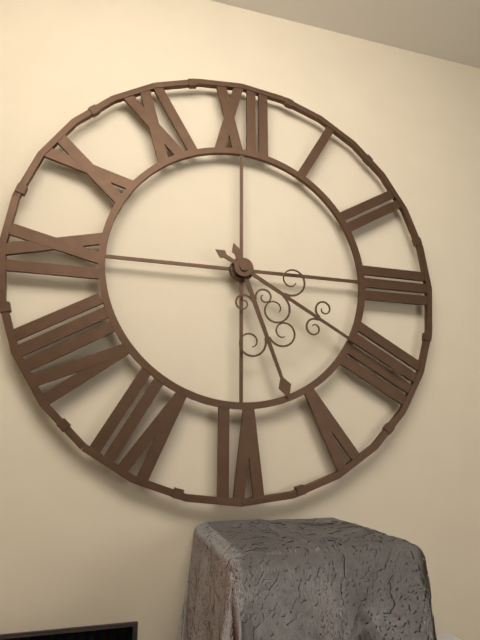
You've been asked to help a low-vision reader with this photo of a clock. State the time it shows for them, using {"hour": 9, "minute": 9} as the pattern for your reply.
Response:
{"hour": 5, "minute": 20}
